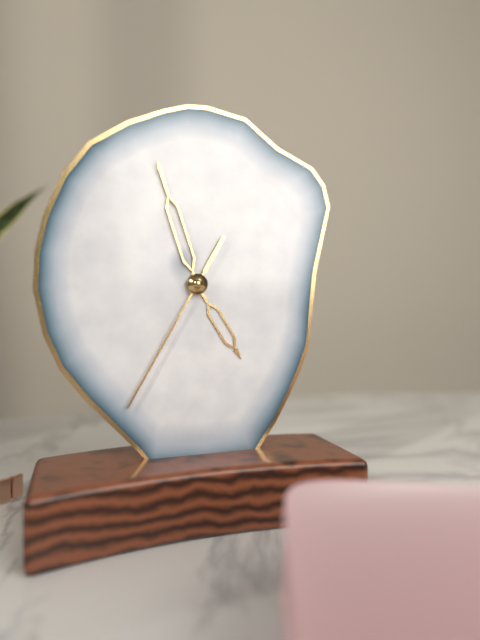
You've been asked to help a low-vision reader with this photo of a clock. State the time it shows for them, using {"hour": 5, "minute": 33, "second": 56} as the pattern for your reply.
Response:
{"hour": 4, "minute": 57, "second": 35}
